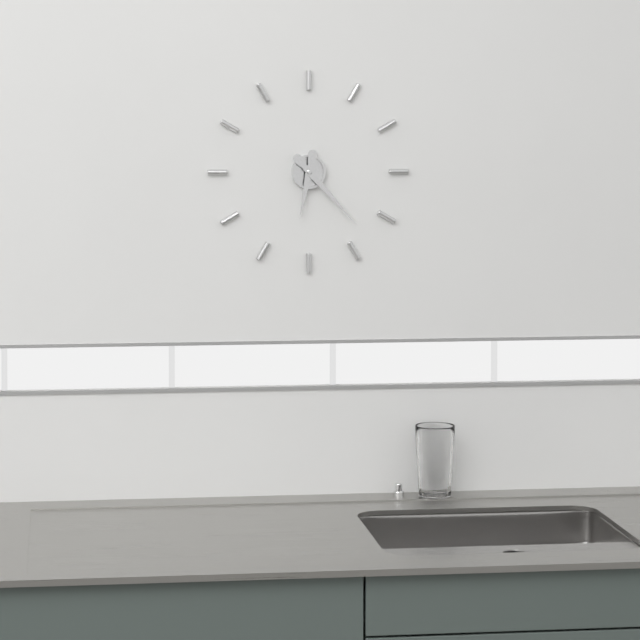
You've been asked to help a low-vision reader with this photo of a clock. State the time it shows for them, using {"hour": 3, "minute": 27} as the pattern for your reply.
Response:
{"hour": 6, "minute": 23}
